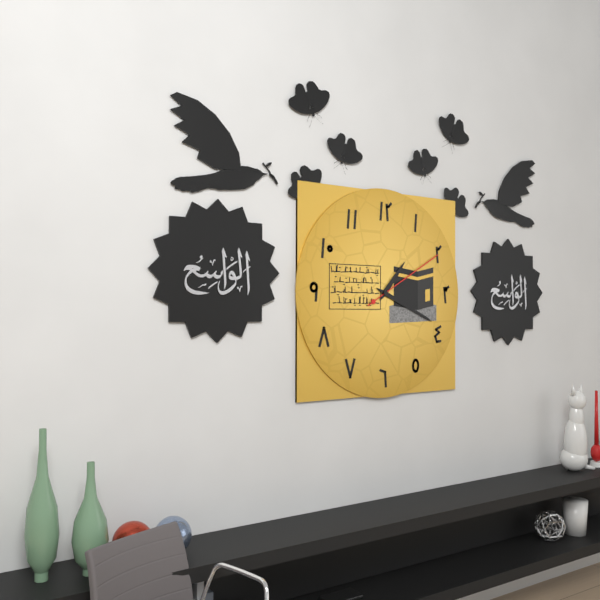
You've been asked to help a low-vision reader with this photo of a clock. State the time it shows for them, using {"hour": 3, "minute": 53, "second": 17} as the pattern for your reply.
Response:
{"hour": 1, "minute": 19, "second": 10}
